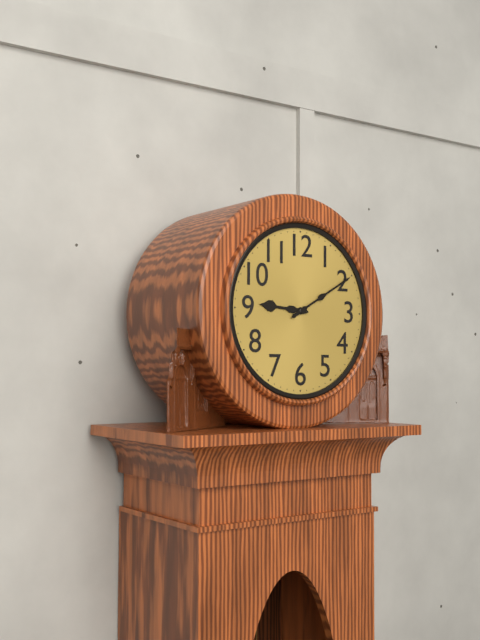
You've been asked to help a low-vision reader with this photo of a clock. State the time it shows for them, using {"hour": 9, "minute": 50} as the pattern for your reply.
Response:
{"hour": 9, "minute": 10}
